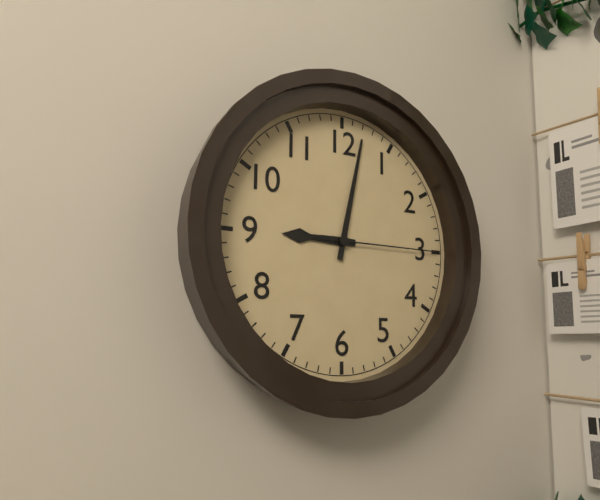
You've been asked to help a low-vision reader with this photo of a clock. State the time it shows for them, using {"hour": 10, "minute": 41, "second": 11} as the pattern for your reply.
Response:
{"hour": 9, "minute": 2, "second": 15}
